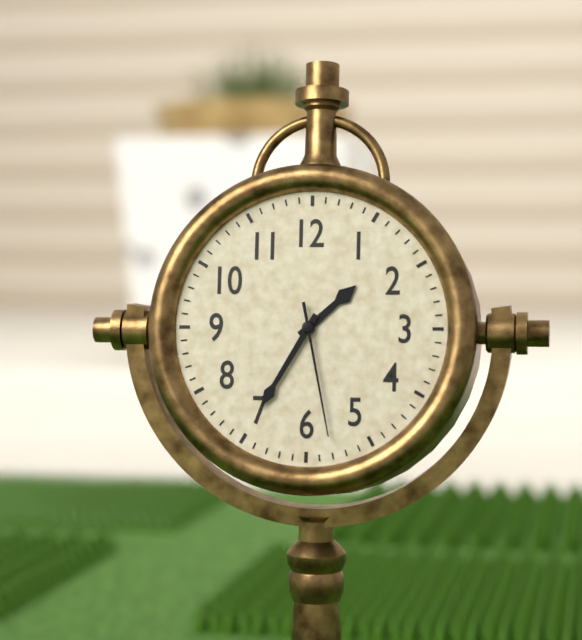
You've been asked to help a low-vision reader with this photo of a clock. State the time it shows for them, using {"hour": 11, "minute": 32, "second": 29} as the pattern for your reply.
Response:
{"hour": 1, "minute": 35, "second": 28}
